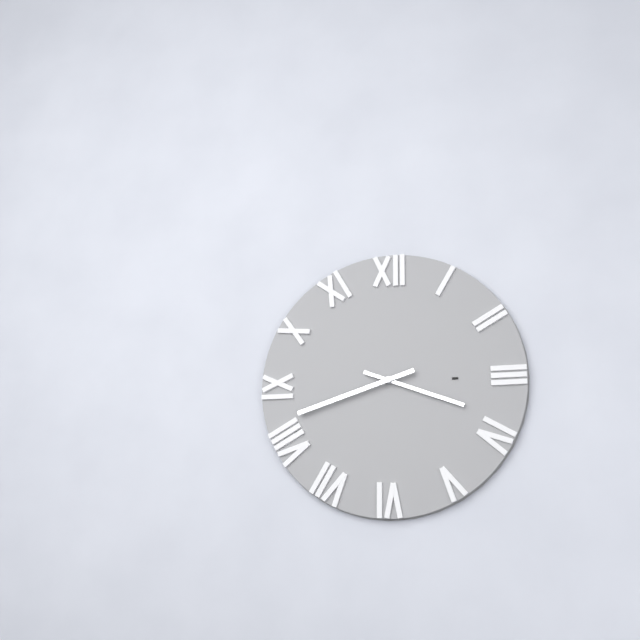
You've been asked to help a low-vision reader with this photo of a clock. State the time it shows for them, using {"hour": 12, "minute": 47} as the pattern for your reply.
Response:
{"hour": 3, "minute": 42}
